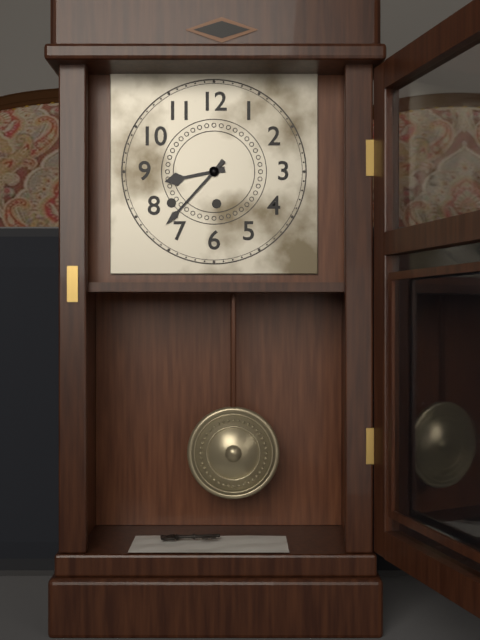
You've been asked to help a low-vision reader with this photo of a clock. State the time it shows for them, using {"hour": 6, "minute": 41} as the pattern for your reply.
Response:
{"hour": 8, "minute": 37}
